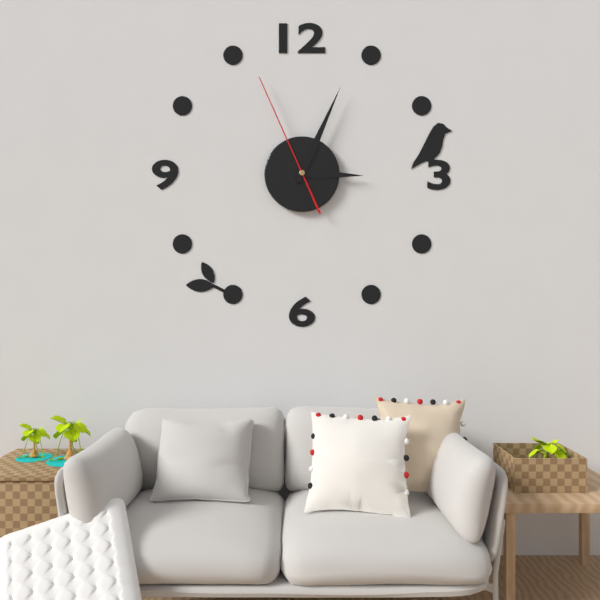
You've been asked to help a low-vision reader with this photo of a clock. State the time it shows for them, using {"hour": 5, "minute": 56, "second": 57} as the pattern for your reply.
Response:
{"hour": 3, "minute": 4, "second": 56}
